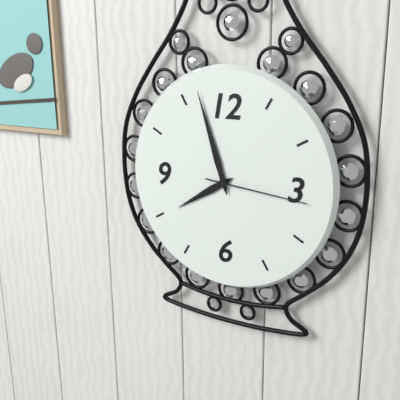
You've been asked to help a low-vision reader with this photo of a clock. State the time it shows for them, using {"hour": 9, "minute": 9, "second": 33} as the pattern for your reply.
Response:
{"hour": 7, "minute": 57, "second": 16}
